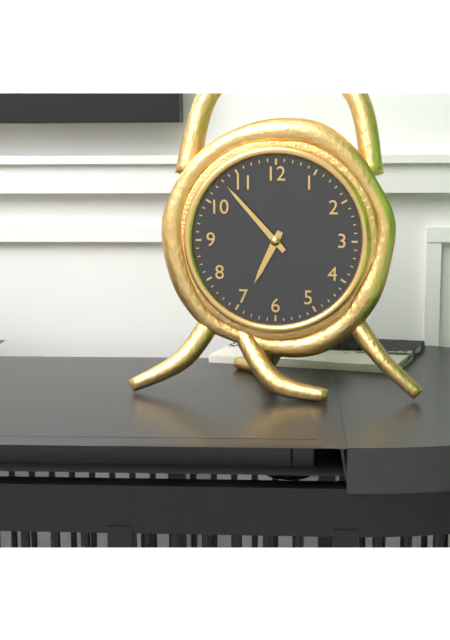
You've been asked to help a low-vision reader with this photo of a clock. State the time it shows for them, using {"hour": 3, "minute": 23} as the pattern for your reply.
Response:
{"hour": 6, "minute": 53}
